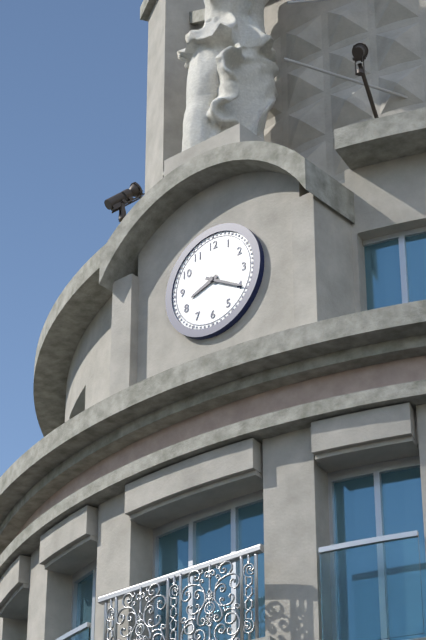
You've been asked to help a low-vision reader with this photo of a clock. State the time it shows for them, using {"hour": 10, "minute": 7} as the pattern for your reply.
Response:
{"hour": 8, "minute": 20}
